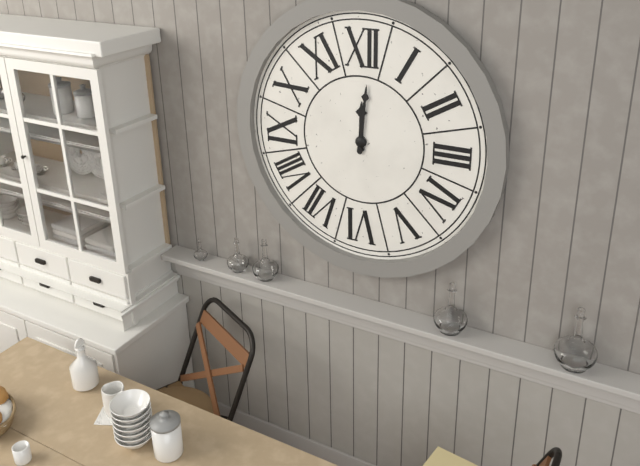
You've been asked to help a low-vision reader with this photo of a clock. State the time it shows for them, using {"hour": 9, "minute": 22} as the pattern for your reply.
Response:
{"hour": 12, "minute": 1}
